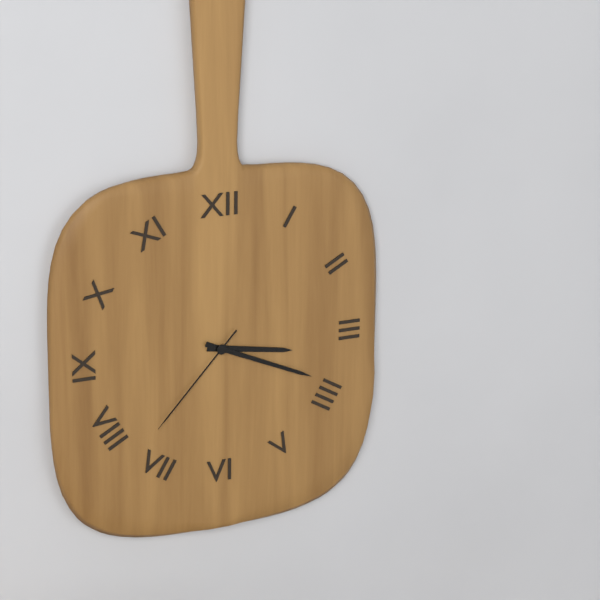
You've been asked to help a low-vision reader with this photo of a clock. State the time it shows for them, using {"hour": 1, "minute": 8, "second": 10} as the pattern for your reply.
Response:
{"hour": 3, "minute": 19, "second": 37}
